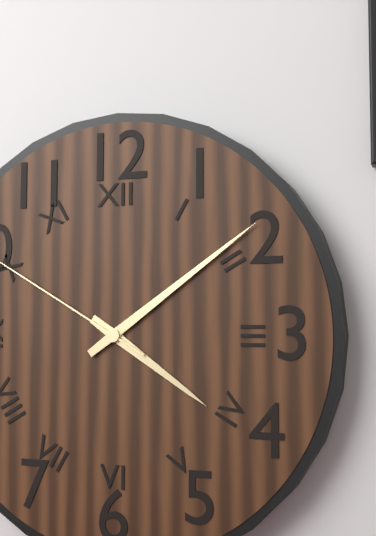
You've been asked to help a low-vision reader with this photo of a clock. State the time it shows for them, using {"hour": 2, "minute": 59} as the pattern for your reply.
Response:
{"hour": 4, "minute": 9}
